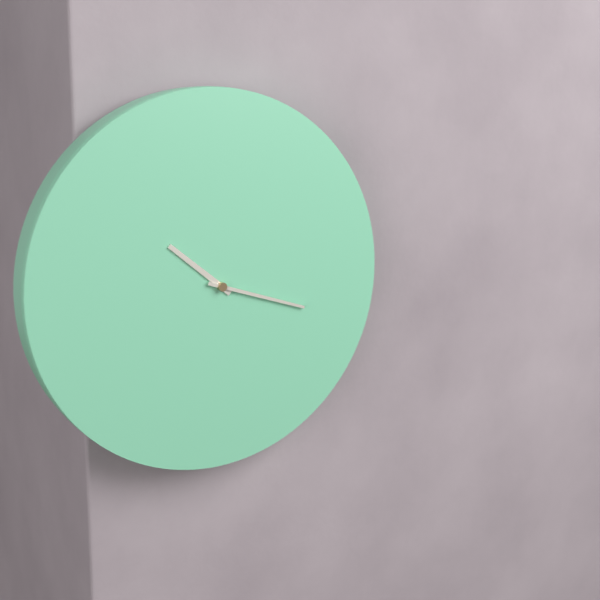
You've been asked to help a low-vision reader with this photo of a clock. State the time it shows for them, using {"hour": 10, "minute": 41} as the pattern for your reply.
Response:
{"hour": 10, "minute": 18}
